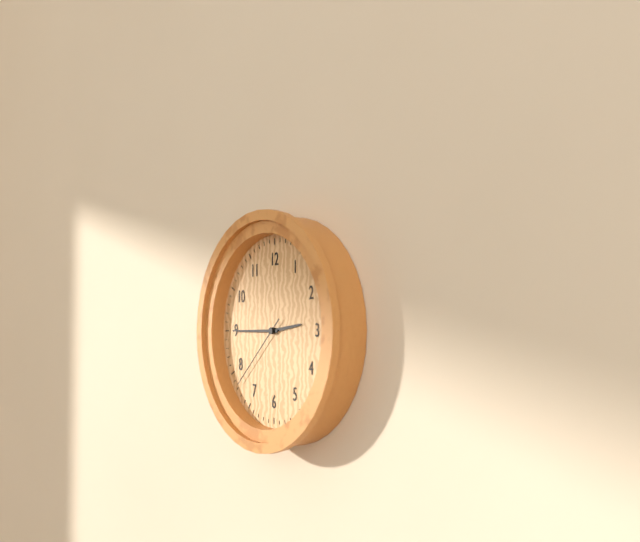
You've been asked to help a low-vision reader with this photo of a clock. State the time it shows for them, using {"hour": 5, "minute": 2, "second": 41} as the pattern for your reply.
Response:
{"hour": 2, "minute": 45, "second": 38}
